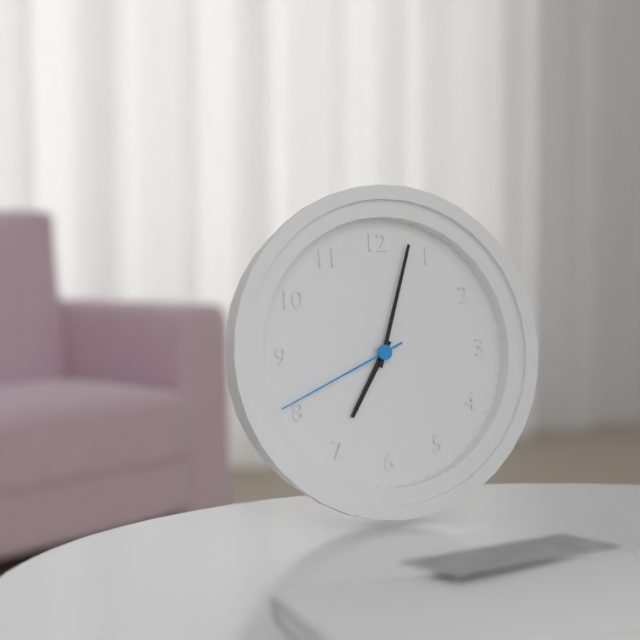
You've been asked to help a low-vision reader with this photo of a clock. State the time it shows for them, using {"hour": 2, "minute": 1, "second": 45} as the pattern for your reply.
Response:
{"hour": 7, "minute": 3, "second": 41}
